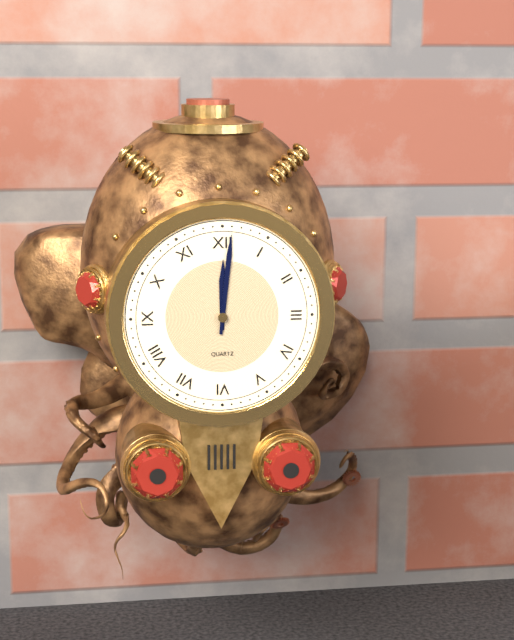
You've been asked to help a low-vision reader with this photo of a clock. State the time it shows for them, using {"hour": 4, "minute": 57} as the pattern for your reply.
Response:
{"hour": 12, "minute": 1}
